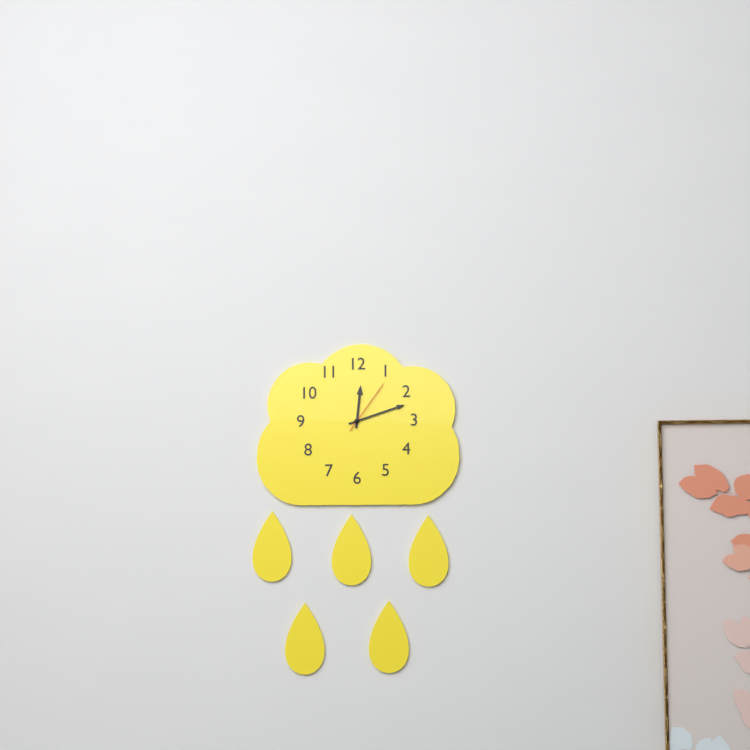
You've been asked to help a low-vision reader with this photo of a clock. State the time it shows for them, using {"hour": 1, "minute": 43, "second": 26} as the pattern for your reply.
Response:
{"hour": 12, "minute": 12, "second": 6}
